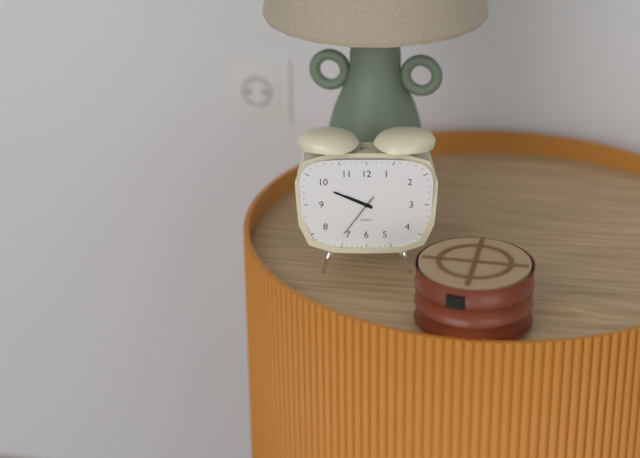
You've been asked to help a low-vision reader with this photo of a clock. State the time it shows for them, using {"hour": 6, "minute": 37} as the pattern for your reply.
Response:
{"hour": 9, "minute": 49}
